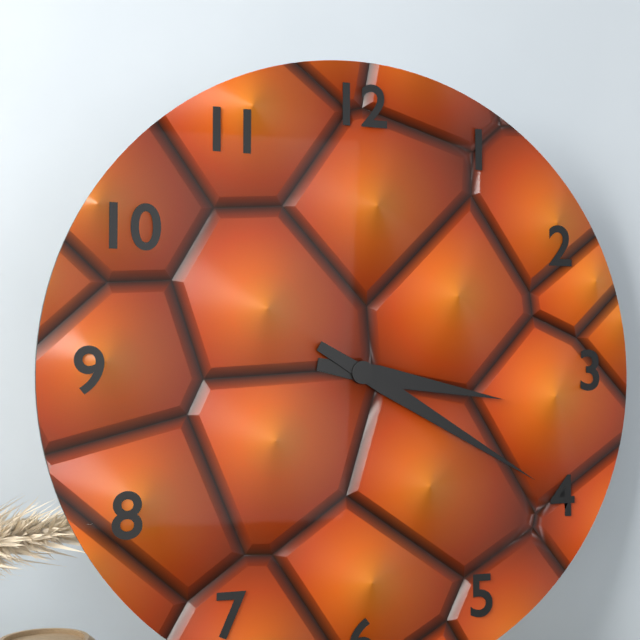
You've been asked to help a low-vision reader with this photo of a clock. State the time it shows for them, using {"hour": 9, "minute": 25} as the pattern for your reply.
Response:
{"hour": 3, "minute": 20}
